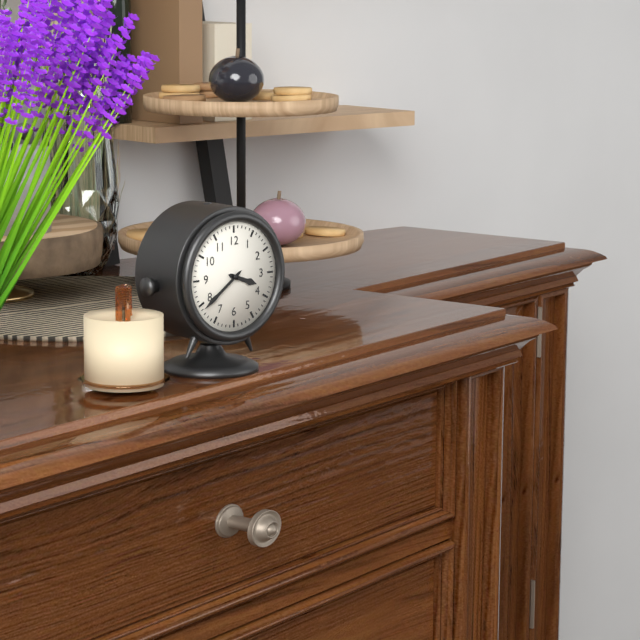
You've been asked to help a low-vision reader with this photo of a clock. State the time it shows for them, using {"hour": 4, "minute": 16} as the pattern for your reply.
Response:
{"hour": 3, "minute": 39}
